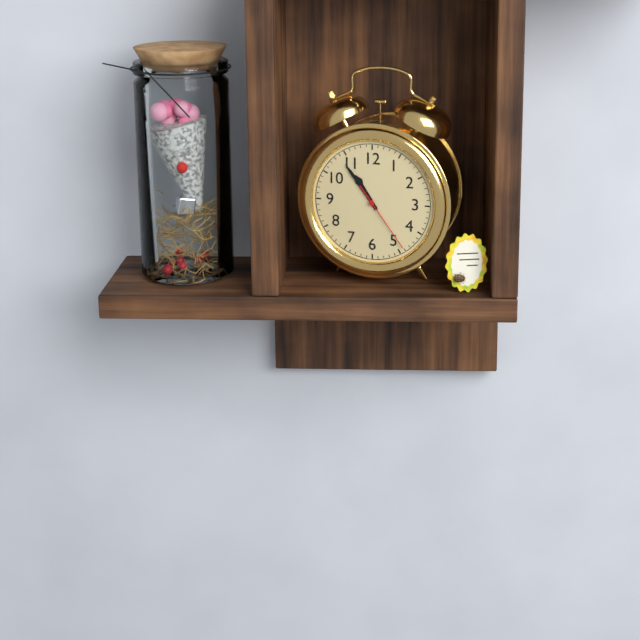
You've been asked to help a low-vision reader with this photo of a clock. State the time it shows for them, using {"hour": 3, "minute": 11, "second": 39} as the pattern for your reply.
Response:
{"hour": 10, "minute": 54, "second": 24}
